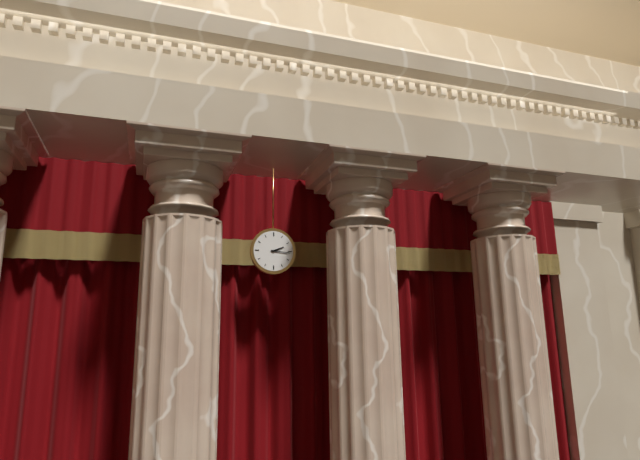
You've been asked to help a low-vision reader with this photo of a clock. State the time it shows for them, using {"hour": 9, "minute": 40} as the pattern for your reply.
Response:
{"hour": 2, "minute": 16}
